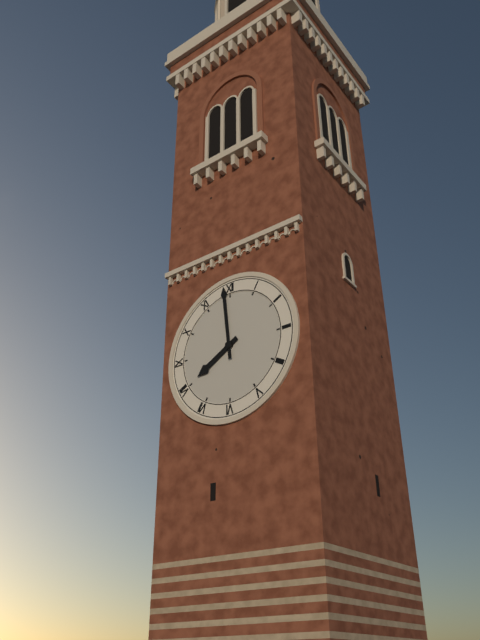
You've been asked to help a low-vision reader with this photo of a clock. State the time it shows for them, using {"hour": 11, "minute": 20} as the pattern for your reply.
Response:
{"hour": 7, "minute": 59}
